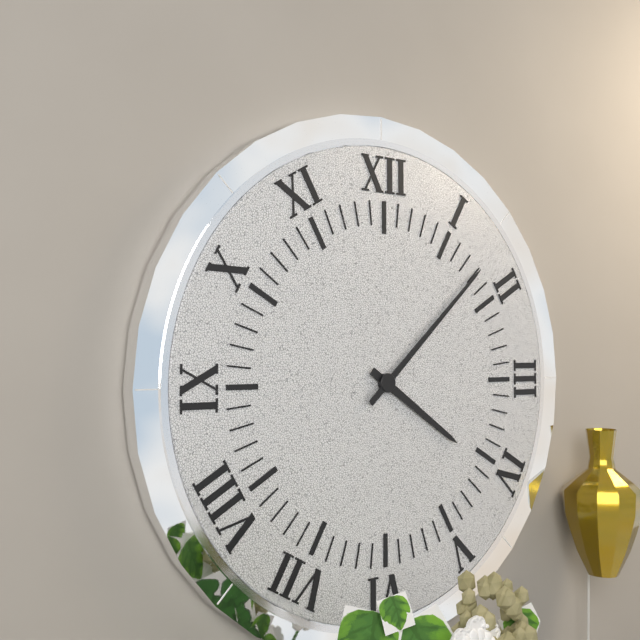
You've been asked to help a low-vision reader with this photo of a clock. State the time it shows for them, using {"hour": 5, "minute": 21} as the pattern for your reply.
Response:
{"hour": 4, "minute": 8}
